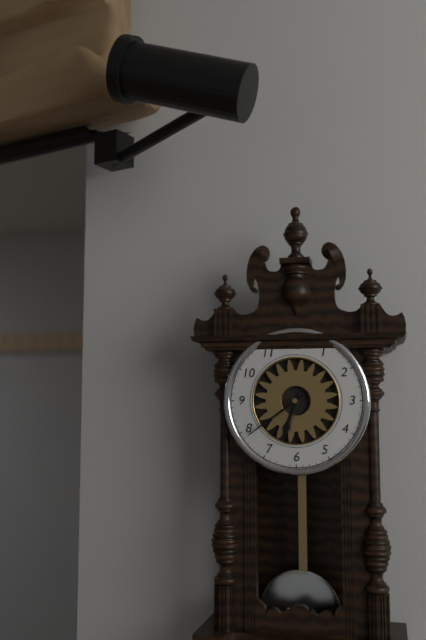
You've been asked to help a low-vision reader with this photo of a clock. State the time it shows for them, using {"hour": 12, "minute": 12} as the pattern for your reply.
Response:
{"hour": 6, "minute": 39}
